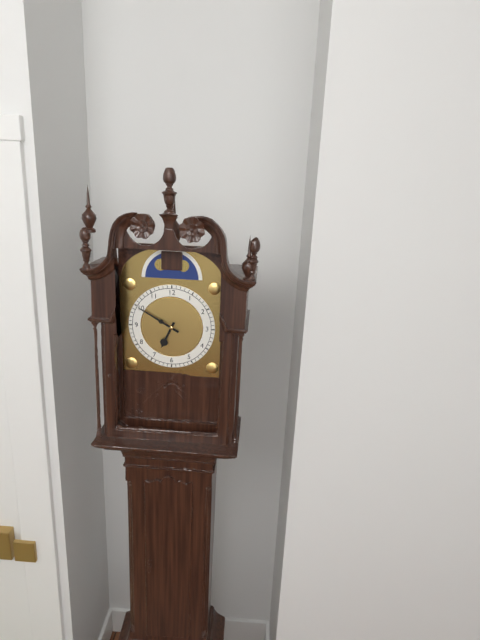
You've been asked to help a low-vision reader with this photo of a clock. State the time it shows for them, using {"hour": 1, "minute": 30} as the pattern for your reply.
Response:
{"hour": 6, "minute": 50}
